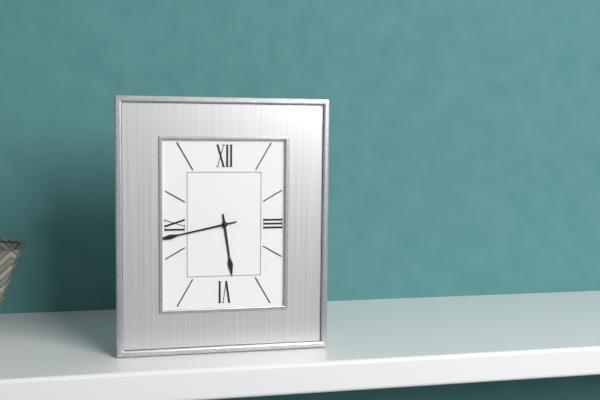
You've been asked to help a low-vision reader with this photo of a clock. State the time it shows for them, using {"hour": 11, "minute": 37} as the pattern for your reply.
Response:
{"hour": 5, "minute": 43}
